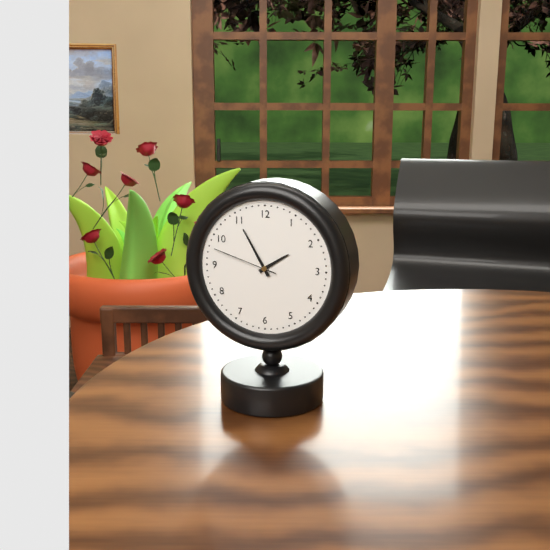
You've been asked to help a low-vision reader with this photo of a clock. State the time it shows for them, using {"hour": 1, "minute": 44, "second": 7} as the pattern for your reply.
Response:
{"hour": 1, "minute": 55, "second": 48}
